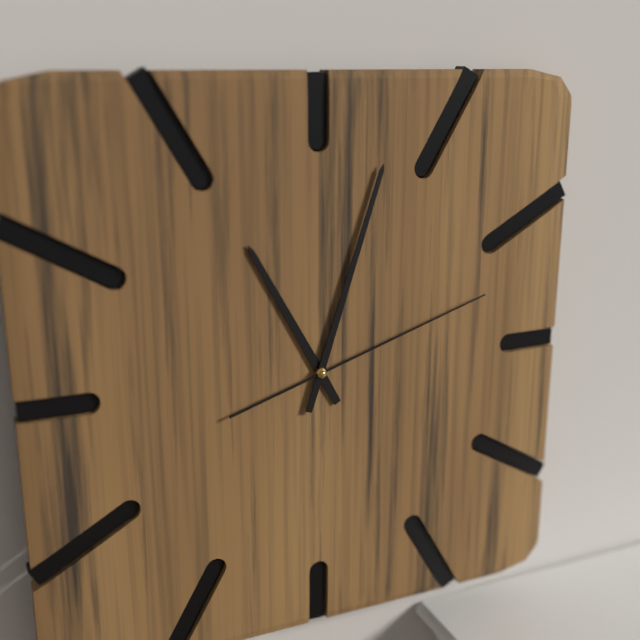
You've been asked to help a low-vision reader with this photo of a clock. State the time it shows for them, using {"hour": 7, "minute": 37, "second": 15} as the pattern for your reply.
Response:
{"hour": 11, "minute": 3, "second": 12}
